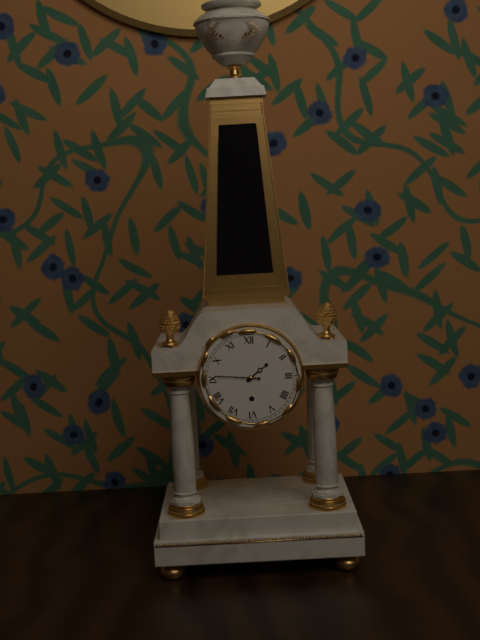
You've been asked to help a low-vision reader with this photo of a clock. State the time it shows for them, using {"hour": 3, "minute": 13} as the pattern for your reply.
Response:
{"hour": 1, "minute": 46}
